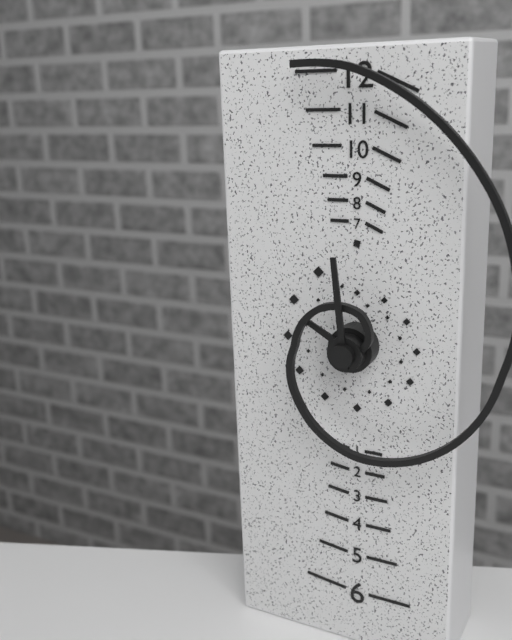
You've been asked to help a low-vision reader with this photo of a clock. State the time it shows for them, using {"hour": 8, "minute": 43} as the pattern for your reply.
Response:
{"hour": 9, "minute": 59}
